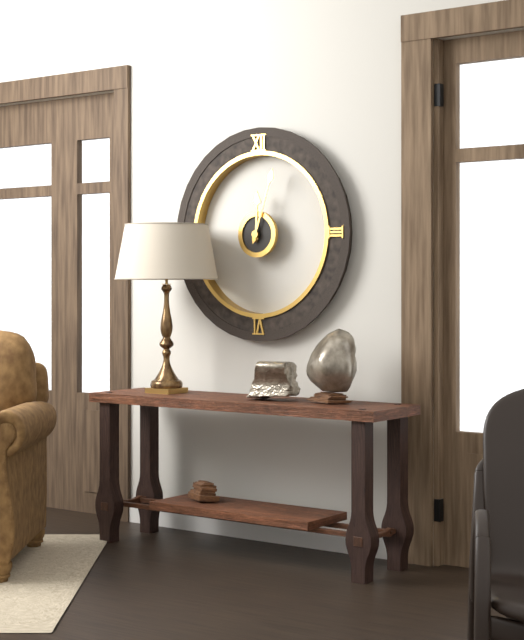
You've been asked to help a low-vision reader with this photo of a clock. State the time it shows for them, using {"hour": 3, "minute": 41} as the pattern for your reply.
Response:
{"hour": 12, "minute": 3}
